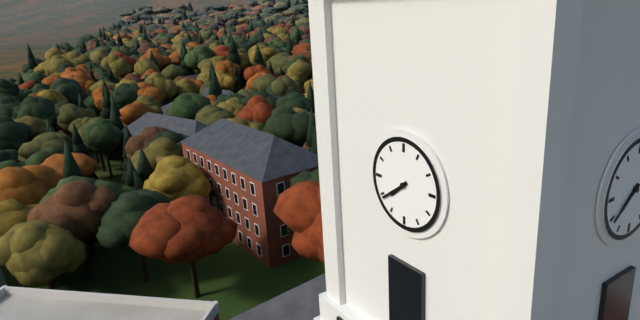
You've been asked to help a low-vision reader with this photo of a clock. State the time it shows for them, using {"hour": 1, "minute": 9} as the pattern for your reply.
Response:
{"hour": 7, "minute": 39}
